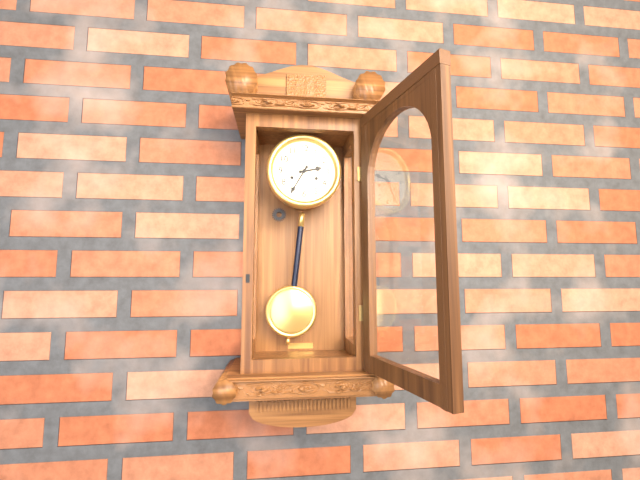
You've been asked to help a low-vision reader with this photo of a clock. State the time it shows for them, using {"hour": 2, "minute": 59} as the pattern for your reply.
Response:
{"hour": 2, "minute": 35}
